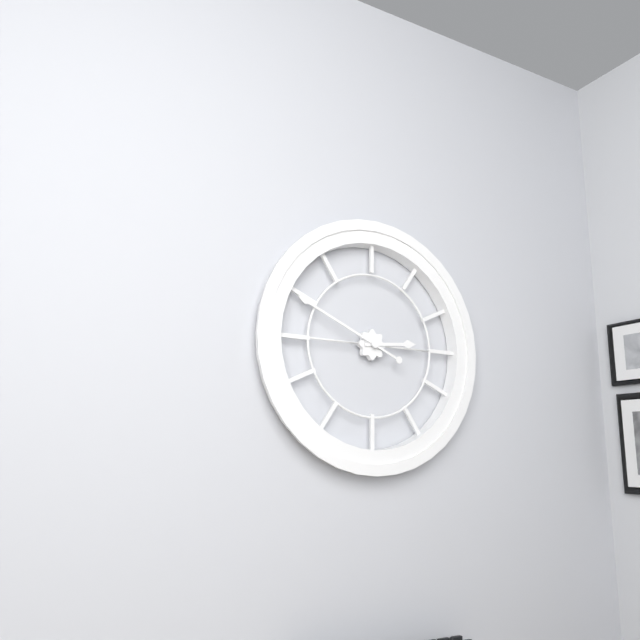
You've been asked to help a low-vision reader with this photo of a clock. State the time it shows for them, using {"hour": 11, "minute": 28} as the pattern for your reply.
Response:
{"hour": 2, "minute": 49}
